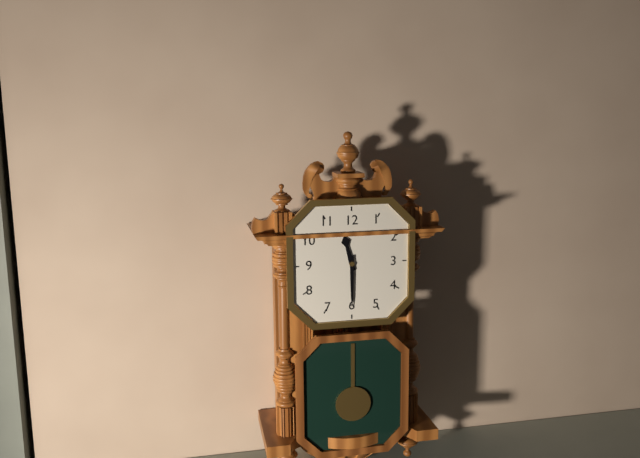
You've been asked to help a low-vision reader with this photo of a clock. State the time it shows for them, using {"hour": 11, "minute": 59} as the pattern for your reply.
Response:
{"hour": 11, "minute": 30}
